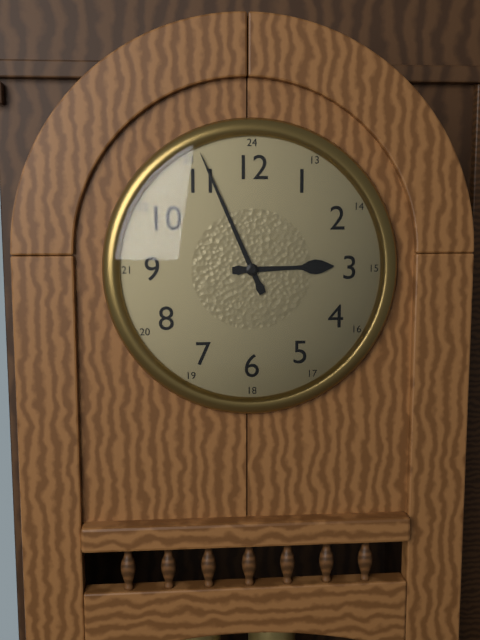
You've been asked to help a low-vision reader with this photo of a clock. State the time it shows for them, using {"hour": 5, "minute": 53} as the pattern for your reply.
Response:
{"hour": 2, "minute": 56}
